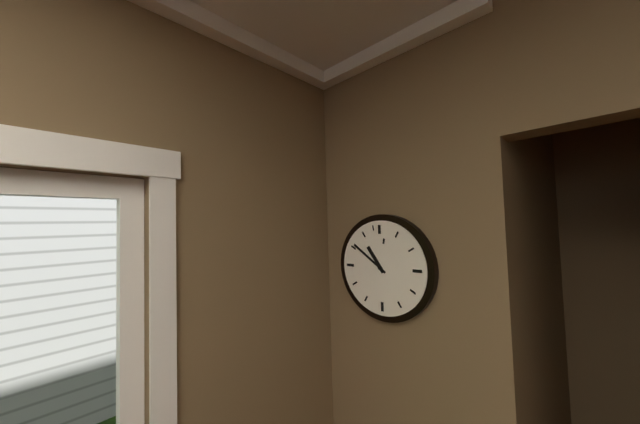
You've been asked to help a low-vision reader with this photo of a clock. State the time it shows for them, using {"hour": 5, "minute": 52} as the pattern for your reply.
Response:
{"hour": 10, "minute": 51}
